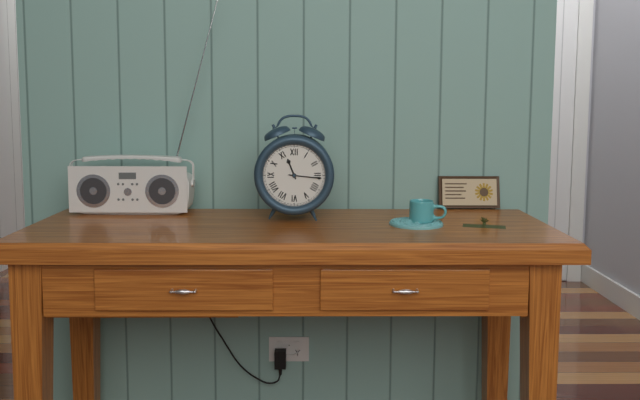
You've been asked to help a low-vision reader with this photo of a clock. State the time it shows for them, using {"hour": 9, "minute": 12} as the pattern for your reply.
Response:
{"hour": 11, "minute": 16}
